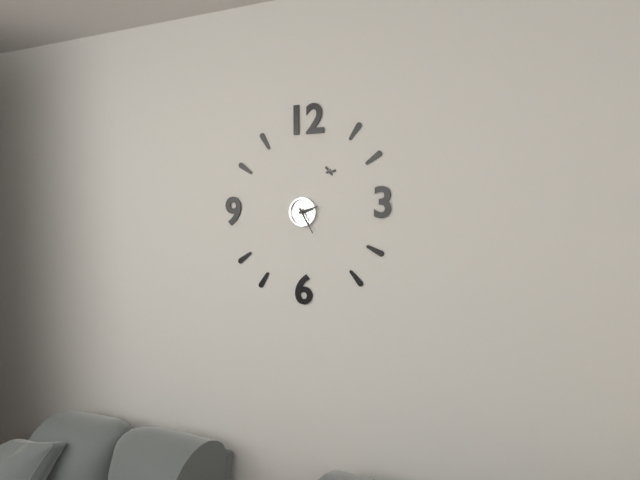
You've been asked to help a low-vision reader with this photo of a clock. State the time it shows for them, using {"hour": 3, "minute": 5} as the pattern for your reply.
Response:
{"hour": 2, "minute": 25}
